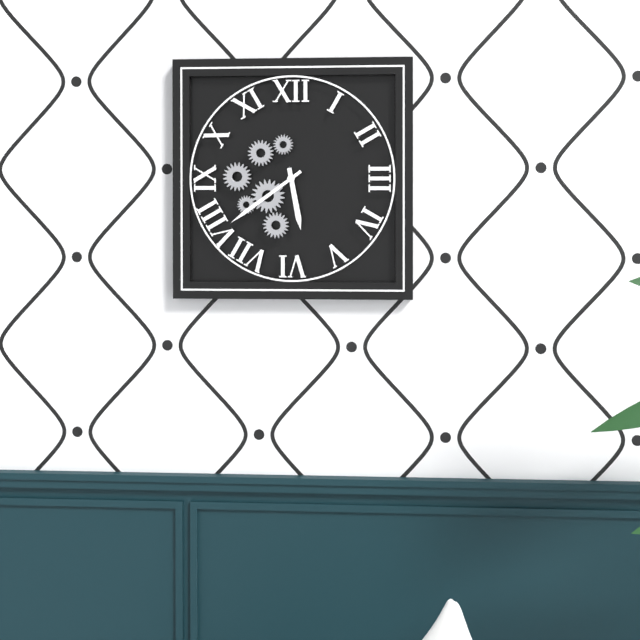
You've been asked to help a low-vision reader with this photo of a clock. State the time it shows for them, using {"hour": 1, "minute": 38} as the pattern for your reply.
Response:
{"hour": 5, "minute": 39}
